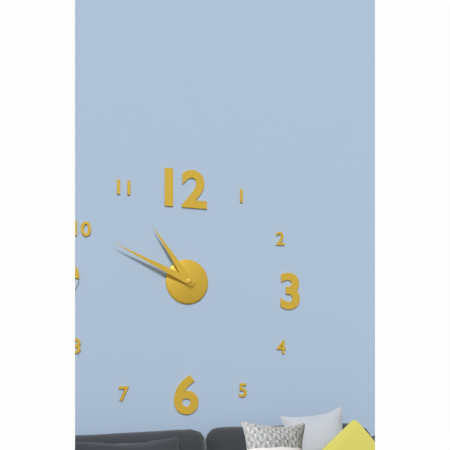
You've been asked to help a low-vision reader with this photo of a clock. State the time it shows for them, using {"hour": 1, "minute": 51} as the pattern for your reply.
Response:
{"hour": 10, "minute": 49}
